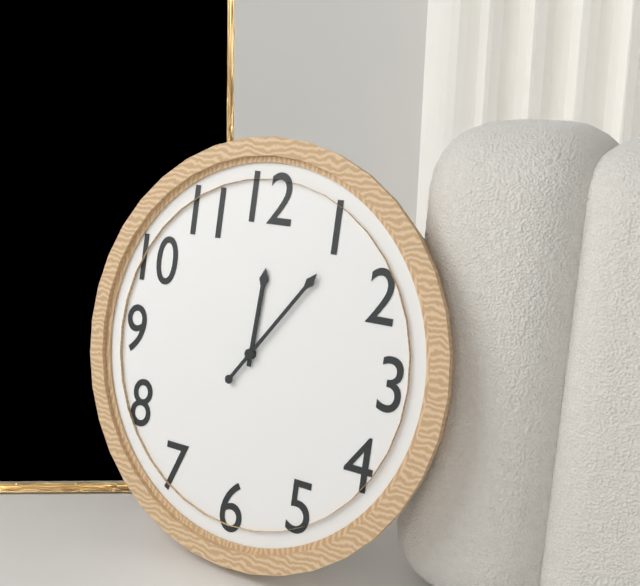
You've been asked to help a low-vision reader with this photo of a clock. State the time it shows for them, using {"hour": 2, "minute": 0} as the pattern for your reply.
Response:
{"hour": 12, "minute": 6}
